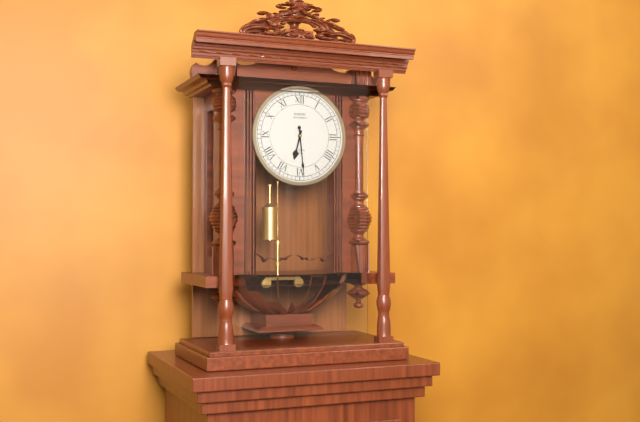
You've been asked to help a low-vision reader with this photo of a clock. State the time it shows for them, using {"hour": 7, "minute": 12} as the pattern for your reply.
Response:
{"hour": 6, "minute": 29}
